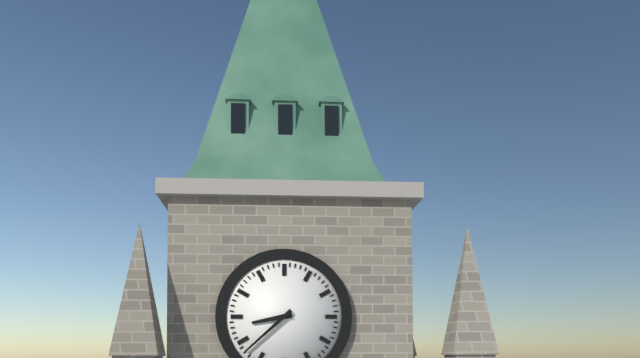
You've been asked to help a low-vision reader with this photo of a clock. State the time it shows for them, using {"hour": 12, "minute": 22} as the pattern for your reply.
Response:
{"hour": 8, "minute": 38}
